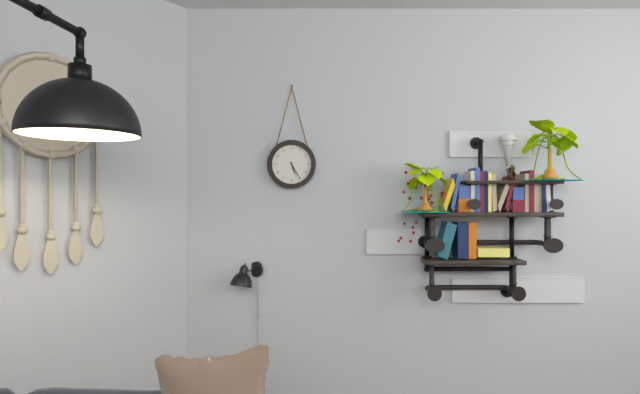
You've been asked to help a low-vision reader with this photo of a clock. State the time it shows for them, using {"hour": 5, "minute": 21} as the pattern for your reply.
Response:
{"hour": 5, "minute": 25}
